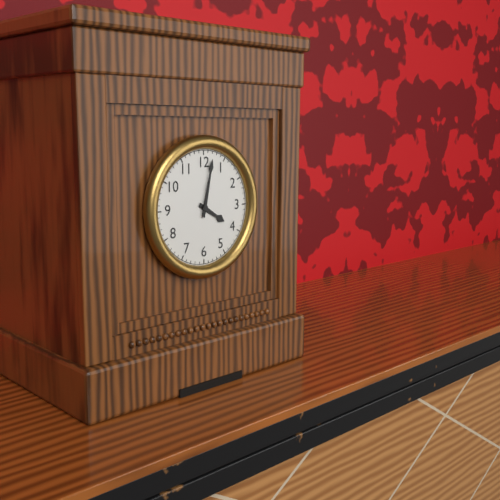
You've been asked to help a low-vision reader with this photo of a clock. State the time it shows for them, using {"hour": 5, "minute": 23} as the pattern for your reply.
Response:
{"hour": 4, "minute": 2}
